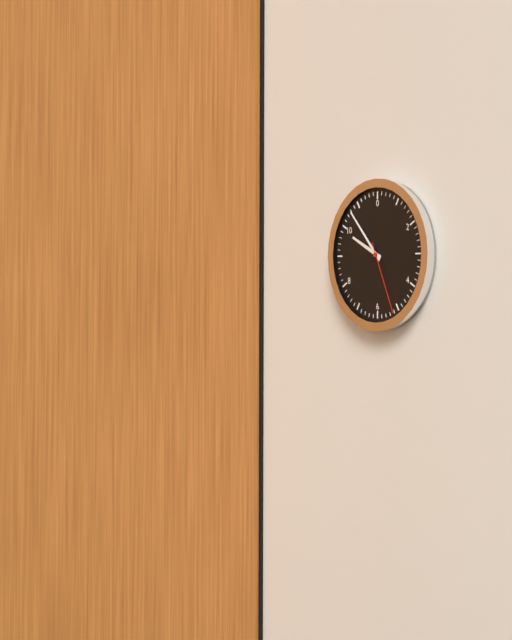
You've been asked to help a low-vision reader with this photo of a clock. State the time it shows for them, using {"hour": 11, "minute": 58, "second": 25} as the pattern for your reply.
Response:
{"hour": 9, "minute": 53, "second": 26}
